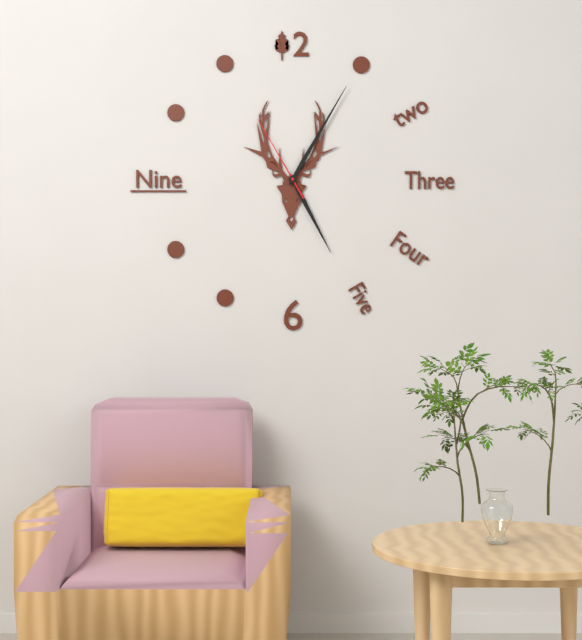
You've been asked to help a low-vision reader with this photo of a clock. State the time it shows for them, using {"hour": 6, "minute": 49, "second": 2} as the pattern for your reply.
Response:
{"hour": 5, "minute": 5, "second": 55}
